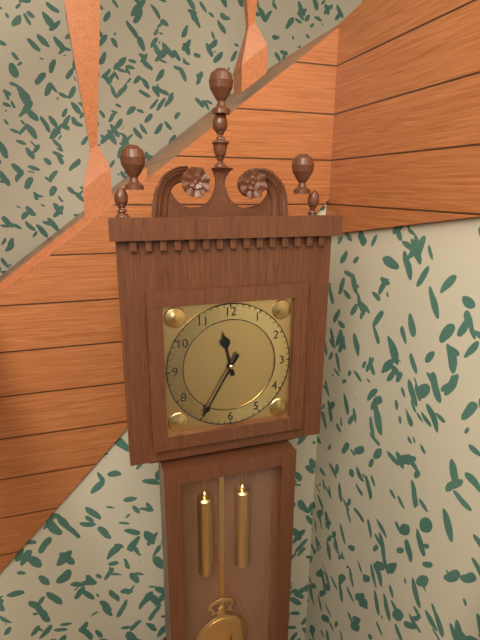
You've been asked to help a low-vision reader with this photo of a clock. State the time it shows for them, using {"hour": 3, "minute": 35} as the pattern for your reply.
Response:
{"hour": 11, "minute": 35}
